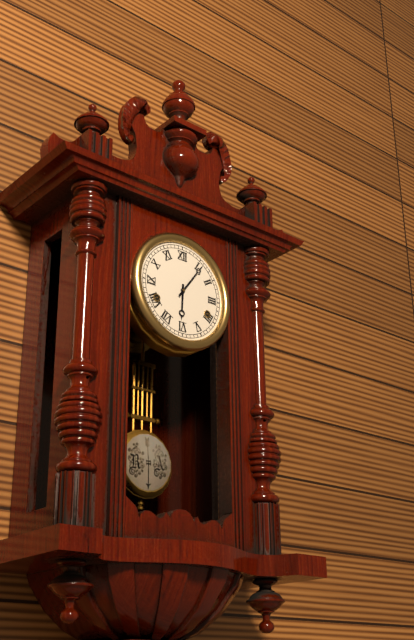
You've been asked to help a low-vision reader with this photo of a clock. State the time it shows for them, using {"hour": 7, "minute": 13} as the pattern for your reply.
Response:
{"hour": 6, "minute": 6}
